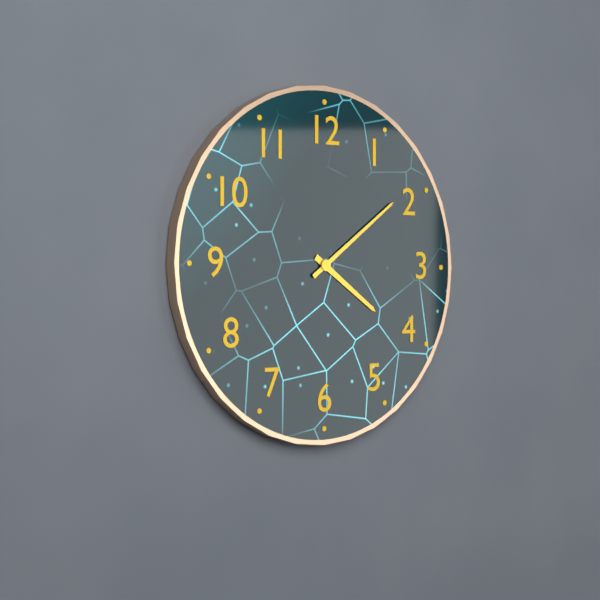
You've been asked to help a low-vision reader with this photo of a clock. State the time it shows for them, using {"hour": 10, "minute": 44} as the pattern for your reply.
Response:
{"hour": 4, "minute": 9}
